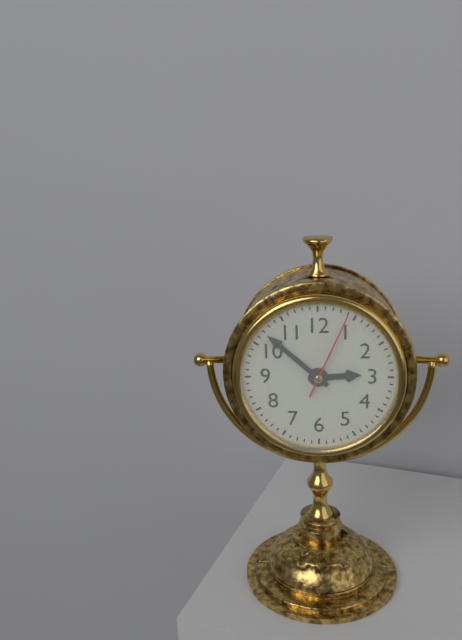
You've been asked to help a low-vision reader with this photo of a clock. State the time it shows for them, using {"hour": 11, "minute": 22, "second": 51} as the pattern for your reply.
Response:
{"hour": 2, "minute": 52, "second": 4}
